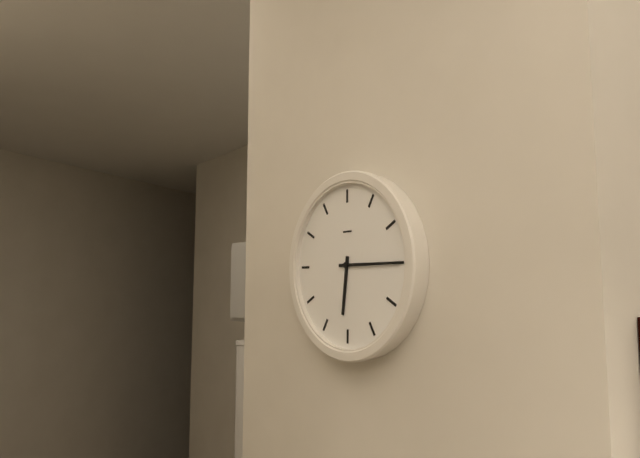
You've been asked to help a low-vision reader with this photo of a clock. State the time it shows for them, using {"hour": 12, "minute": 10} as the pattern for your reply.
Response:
{"hour": 6, "minute": 15}
